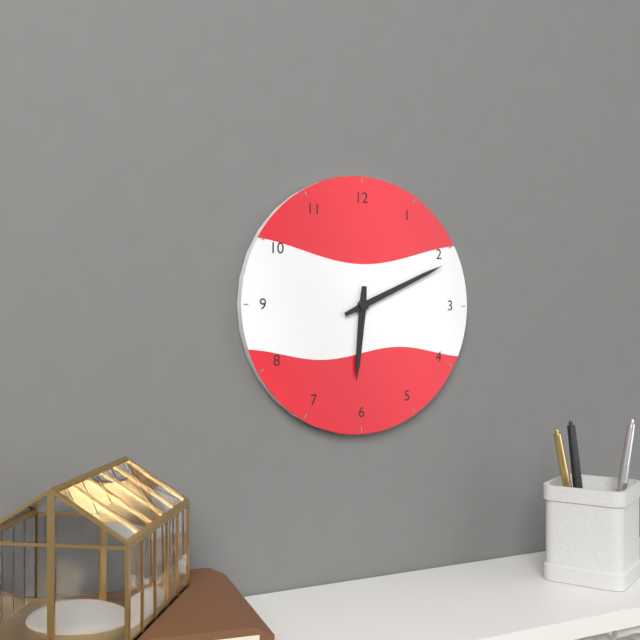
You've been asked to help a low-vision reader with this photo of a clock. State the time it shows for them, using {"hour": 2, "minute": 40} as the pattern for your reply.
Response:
{"hour": 6, "minute": 11}
